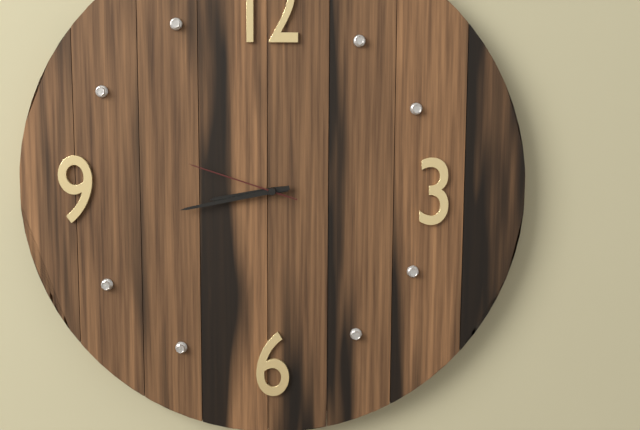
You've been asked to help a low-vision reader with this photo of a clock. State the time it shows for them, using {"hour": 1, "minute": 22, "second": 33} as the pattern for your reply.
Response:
{"hour": 8, "minute": 43, "second": 48}
